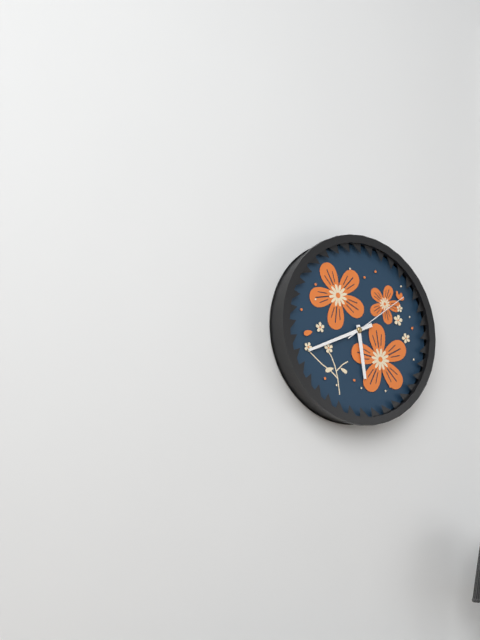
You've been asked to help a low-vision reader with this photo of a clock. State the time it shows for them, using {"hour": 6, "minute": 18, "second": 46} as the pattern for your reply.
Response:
{"hour": 5, "minute": 41, "second": 9}
